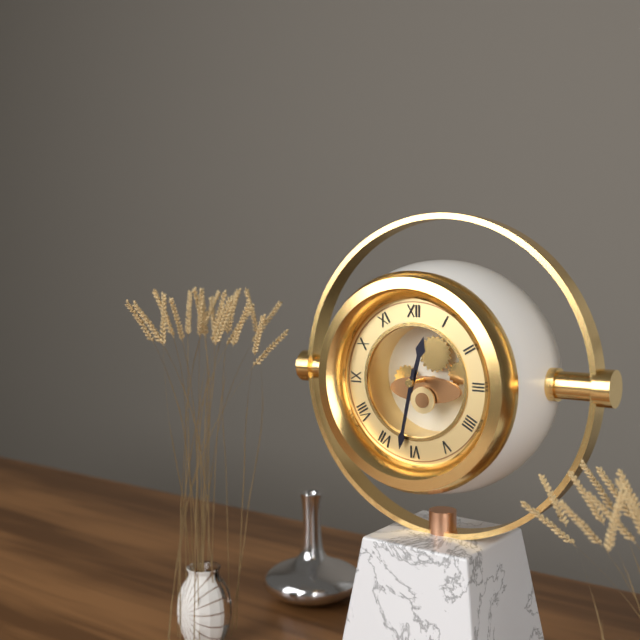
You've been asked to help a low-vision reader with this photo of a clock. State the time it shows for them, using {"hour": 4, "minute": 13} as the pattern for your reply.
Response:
{"hour": 12, "minute": 32}
